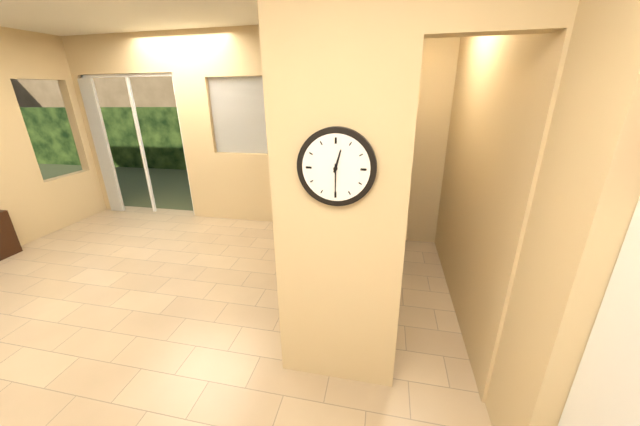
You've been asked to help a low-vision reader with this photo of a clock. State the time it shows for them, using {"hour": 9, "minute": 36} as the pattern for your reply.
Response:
{"hour": 12, "minute": 30}
